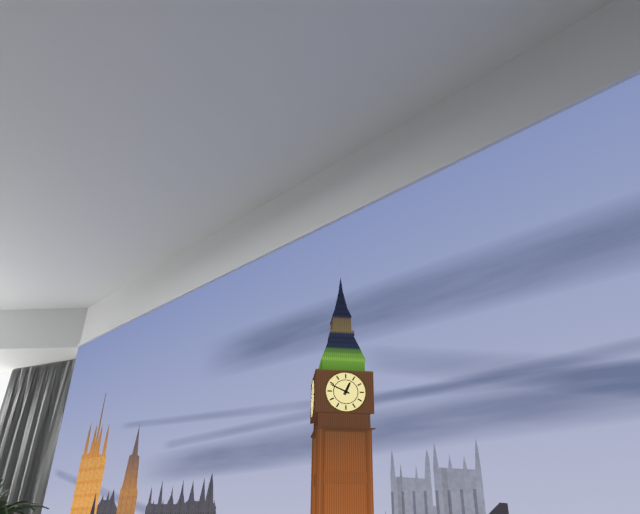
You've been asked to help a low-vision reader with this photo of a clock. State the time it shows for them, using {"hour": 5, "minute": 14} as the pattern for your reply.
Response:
{"hour": 12, "minute": 49}
